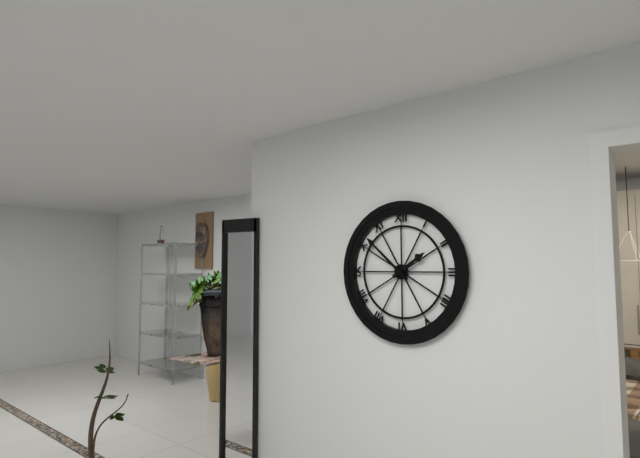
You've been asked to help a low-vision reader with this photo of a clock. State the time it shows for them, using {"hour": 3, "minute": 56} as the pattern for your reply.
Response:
{"hour": 1, "minute": 52}
